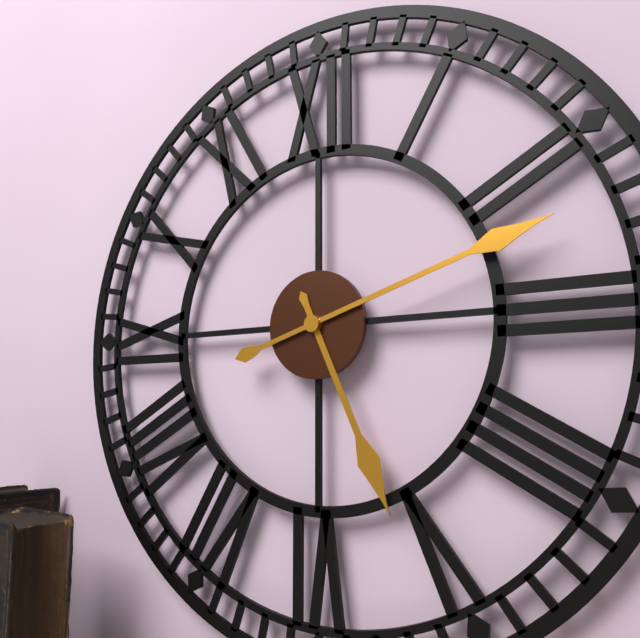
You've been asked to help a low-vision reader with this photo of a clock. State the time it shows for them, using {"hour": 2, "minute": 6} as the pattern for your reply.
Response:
{"hour": 5, "minute": 12}
